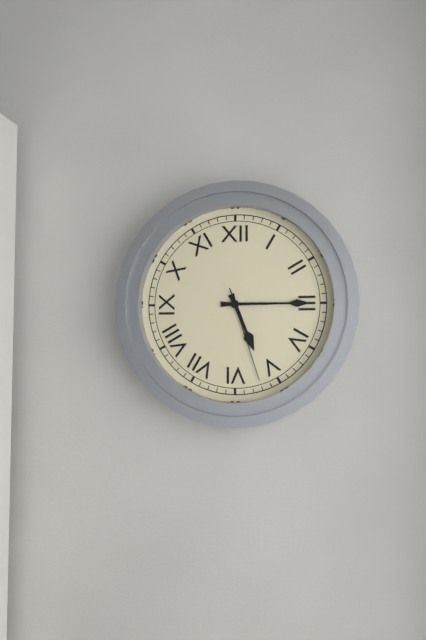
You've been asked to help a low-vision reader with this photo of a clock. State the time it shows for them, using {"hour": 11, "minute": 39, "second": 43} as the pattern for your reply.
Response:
{"hour": 5, "minute": 15, "second": 27}
